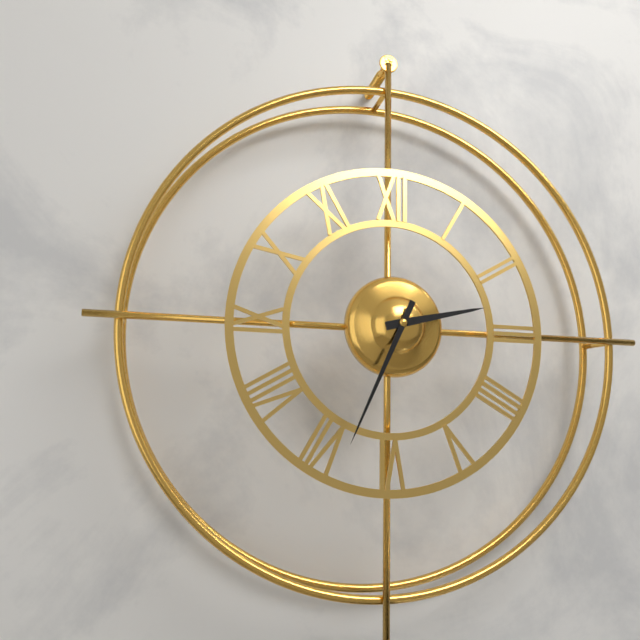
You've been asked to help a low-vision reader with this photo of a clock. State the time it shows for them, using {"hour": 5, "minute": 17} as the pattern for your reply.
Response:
{"hour": 2, "minute": 34}
